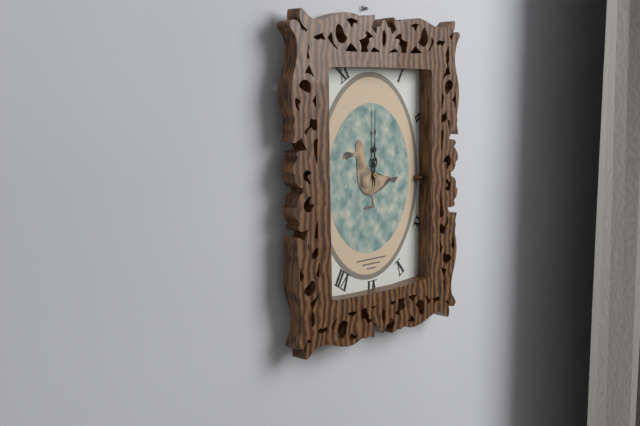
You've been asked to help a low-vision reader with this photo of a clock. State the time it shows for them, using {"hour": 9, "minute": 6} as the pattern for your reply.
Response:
{"hour": 12, "minute": 0}
